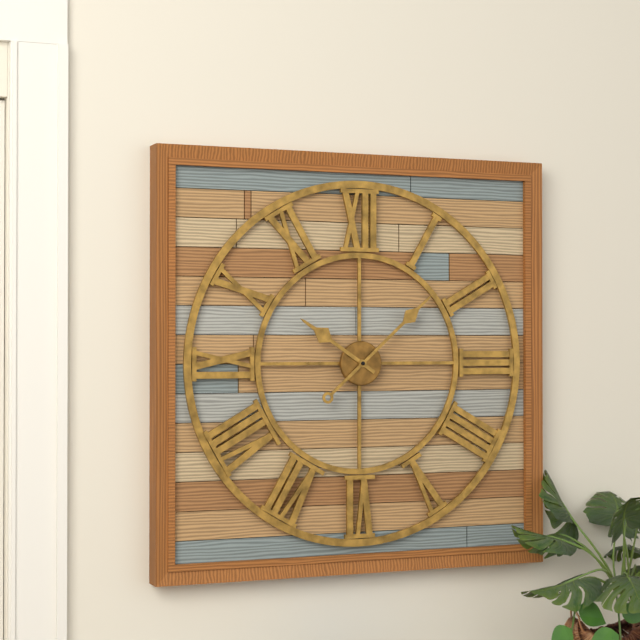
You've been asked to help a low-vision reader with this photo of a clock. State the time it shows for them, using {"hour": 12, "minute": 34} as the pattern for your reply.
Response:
{"hour": 10, "minute": 8}
